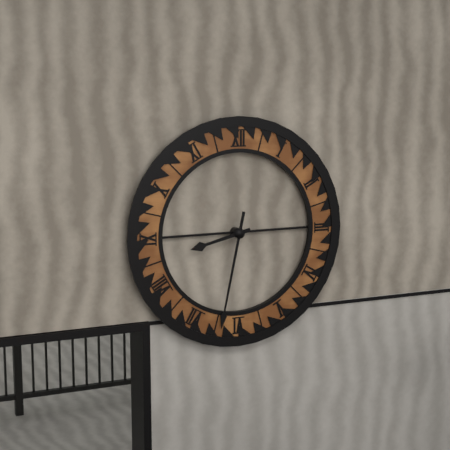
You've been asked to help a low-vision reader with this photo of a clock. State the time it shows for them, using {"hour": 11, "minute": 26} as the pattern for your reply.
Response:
{"hour": 8, "minute": 32}
